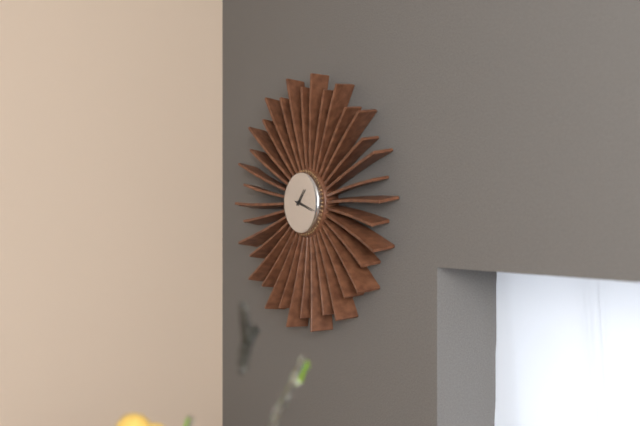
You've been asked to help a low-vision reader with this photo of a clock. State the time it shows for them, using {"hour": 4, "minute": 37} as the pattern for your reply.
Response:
{"hour": 1, "minute": 18}
